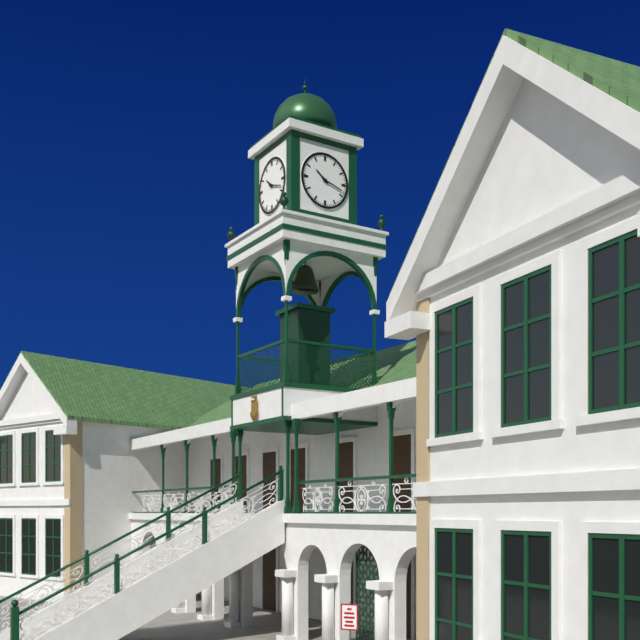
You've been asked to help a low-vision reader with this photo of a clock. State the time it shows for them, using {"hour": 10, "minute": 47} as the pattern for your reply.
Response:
{"hour": 10, "minute": 18}
